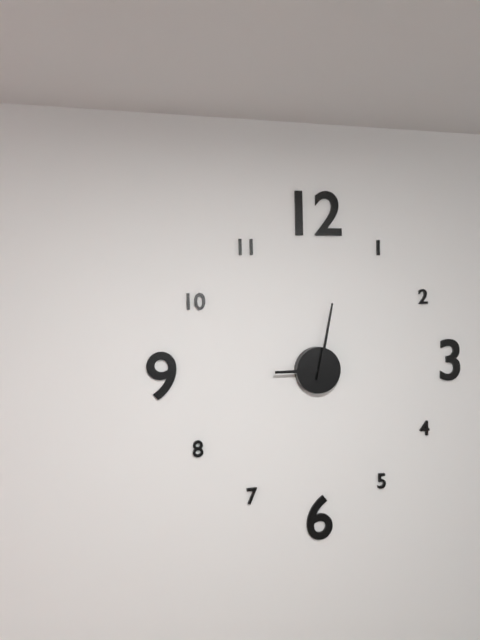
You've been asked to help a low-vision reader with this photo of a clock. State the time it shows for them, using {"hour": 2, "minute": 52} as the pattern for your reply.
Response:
{"hour": 9, "minute": 2}
